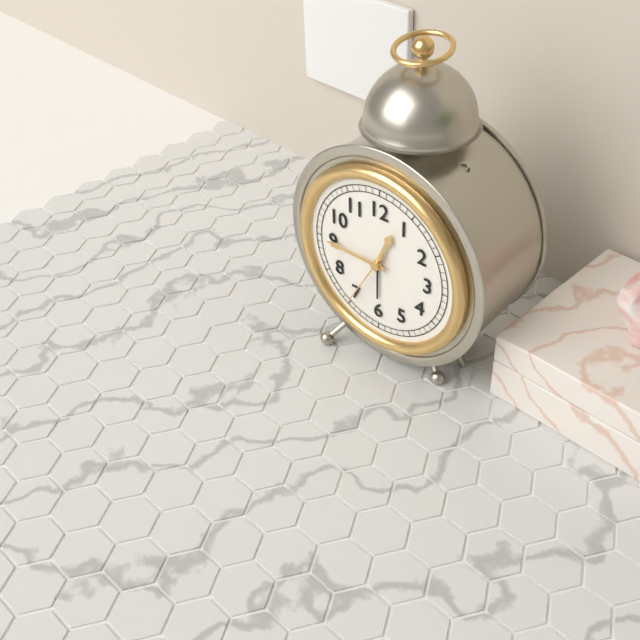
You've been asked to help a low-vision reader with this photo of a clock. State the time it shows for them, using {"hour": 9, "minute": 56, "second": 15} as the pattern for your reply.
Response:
{"hour": 12, "minute": 45, "second": 35}
